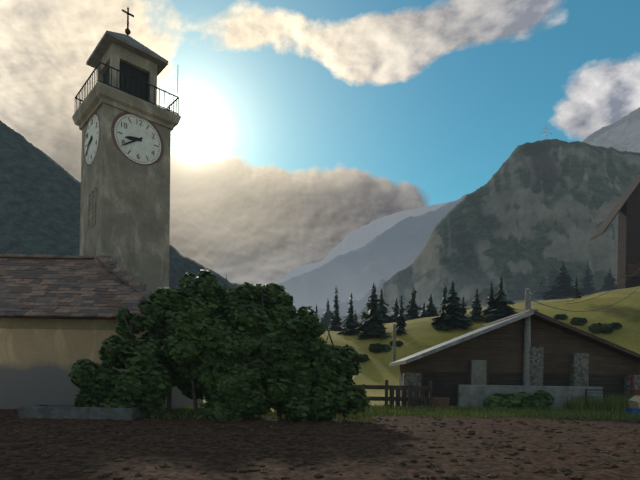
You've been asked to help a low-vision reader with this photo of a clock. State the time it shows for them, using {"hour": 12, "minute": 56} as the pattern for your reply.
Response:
{"hour": 8, "minute": 39}
